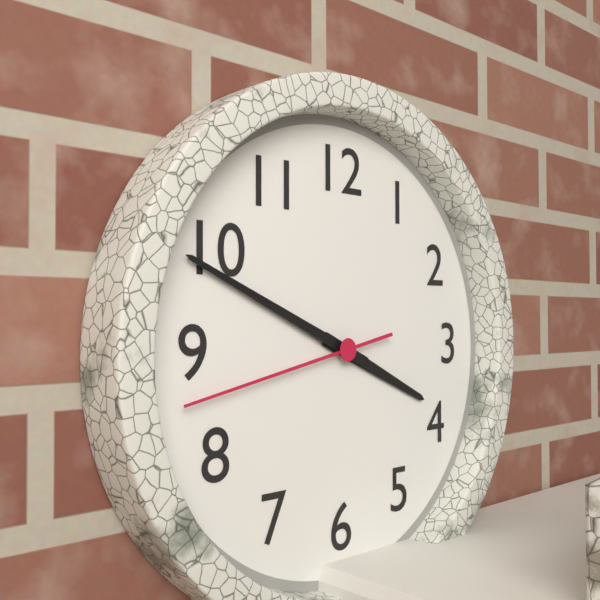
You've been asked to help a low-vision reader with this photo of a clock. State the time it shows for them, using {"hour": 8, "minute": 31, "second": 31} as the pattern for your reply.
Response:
{"hour": 3, "minute": 49, "second": 43}
